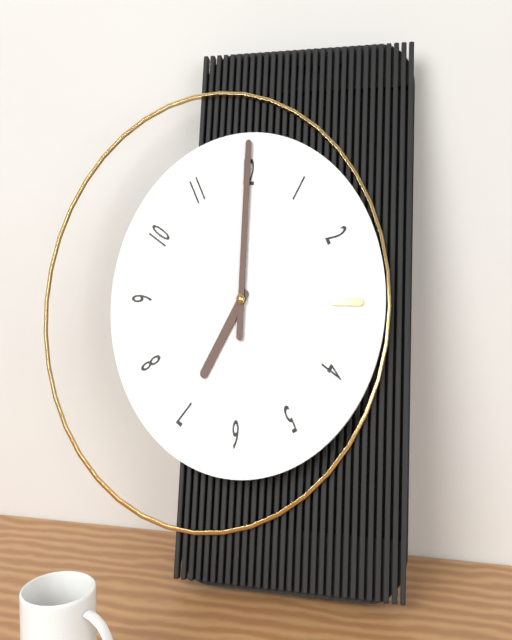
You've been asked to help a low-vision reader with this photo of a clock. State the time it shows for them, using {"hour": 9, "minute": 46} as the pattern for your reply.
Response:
{"hour": 7, "minute": 0}
